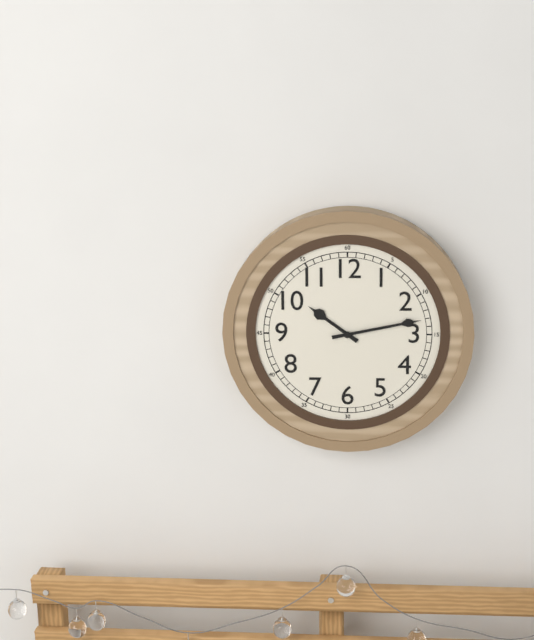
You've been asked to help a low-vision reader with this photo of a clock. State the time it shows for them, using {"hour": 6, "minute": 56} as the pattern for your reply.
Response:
{"hour": 10, "minute": 13}
